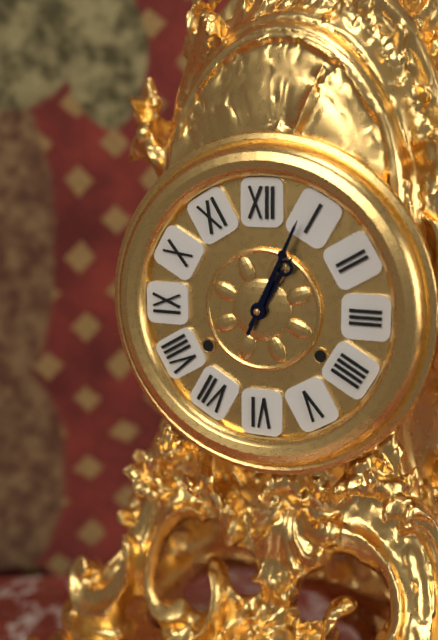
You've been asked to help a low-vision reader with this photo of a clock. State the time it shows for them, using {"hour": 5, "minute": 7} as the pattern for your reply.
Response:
{"hour": 1, "minute": 4}
